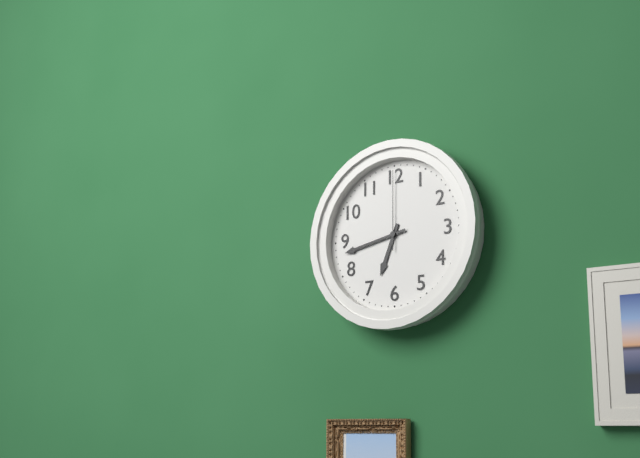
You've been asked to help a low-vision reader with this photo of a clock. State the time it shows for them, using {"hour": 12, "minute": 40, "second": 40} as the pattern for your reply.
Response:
{"hour": 6, "minute": 43, "second": 0}
